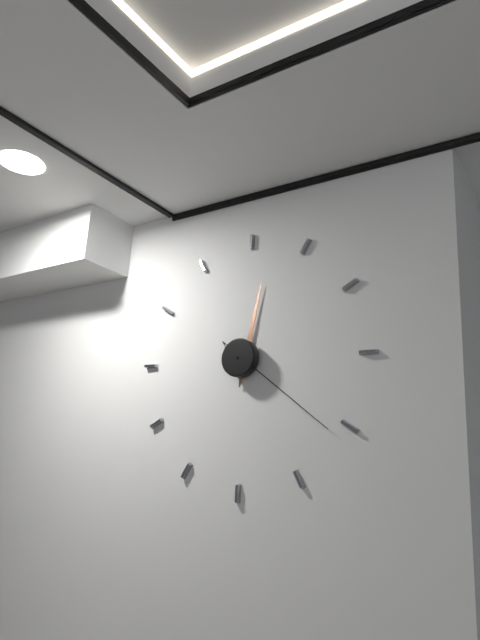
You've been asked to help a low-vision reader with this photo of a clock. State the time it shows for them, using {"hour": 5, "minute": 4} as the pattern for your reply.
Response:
{"hour": 12, "minute": 21}
